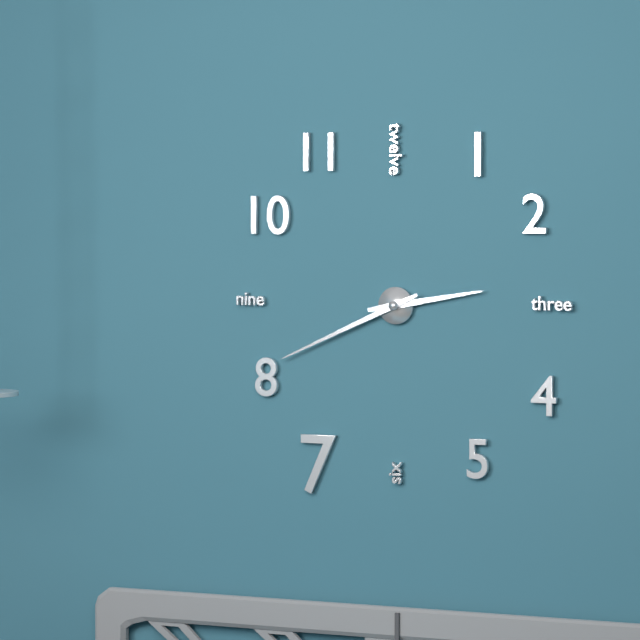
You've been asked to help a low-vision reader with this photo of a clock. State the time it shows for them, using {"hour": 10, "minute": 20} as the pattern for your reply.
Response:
{"hour": 2, "minute": 41}
